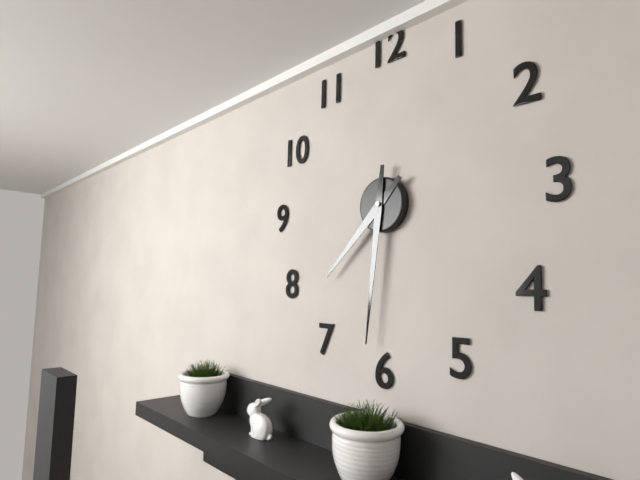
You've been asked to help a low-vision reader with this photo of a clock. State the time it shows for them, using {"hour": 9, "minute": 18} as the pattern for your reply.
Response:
{"hour": 7, "minute": 31}
